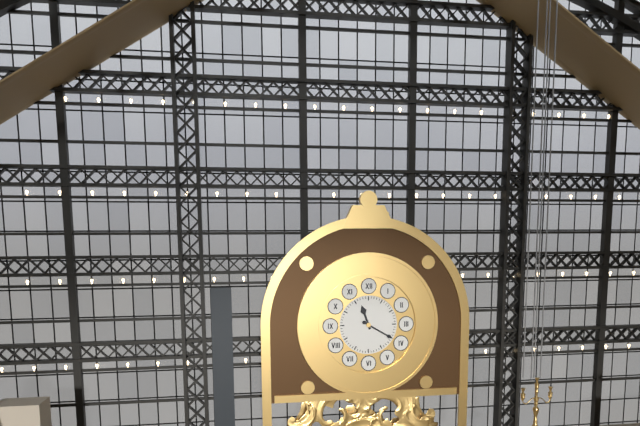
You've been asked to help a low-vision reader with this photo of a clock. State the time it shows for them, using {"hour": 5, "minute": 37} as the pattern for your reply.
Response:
{"hour": 11, "minute": 20}
